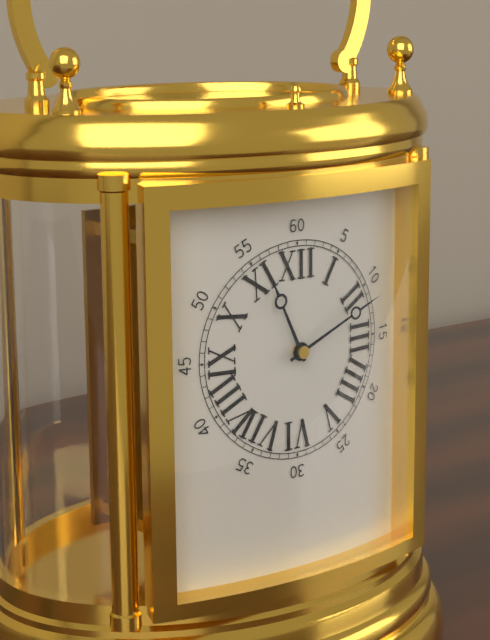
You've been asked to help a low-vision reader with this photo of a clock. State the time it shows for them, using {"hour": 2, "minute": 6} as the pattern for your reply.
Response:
{"hour": 11, "minute": 11}
